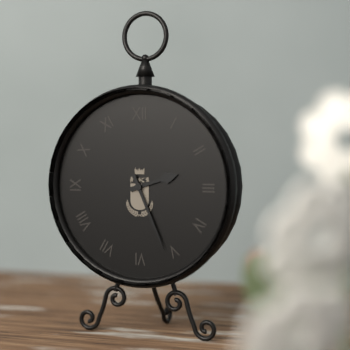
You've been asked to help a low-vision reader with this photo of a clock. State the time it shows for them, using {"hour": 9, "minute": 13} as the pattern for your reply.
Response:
{"hour": 2, "minute": 26}
